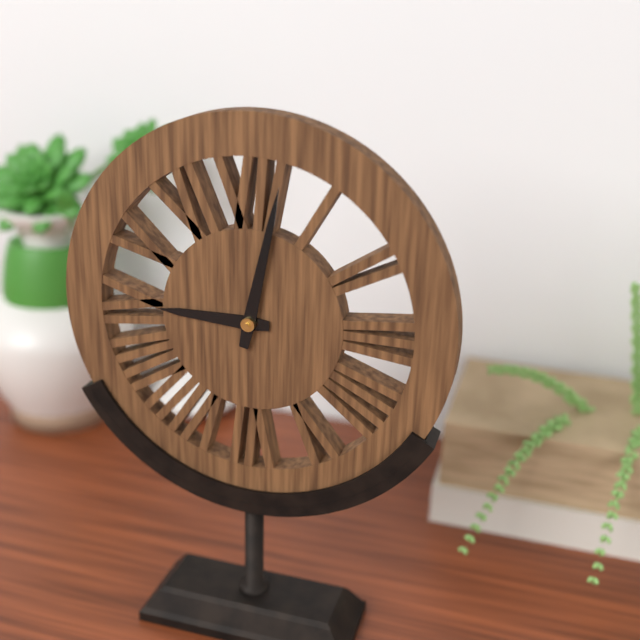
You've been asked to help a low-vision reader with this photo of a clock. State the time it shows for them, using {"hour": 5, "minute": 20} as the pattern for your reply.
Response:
{"hour": 9, "minute": 2}
